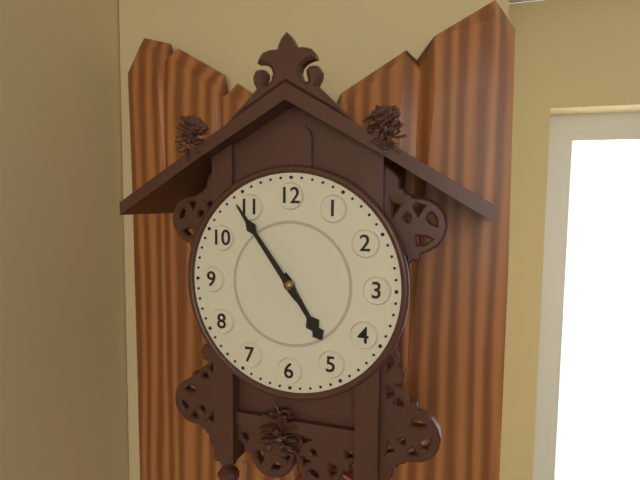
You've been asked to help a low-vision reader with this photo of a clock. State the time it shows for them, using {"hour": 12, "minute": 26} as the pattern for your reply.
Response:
{"hour": 4, "minute": 54}
